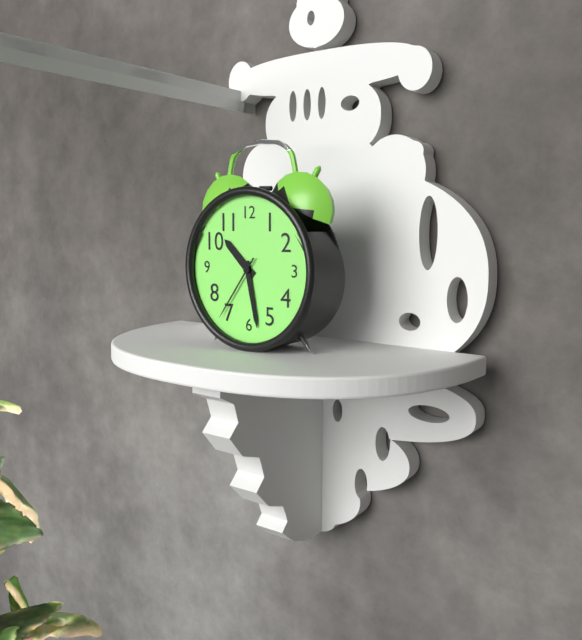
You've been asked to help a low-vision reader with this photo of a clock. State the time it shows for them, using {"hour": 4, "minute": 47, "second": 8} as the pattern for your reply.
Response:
{"hour": 10, "minute": 28, "second": 36}
